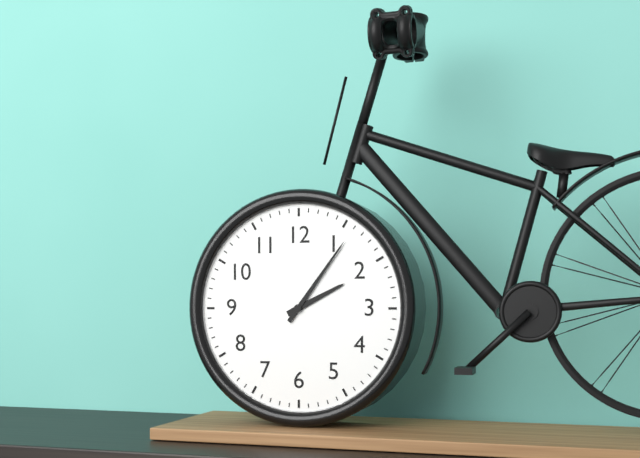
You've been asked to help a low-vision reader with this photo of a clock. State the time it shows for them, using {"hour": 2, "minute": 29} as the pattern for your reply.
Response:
{"hour": 2, "minute": 6}
